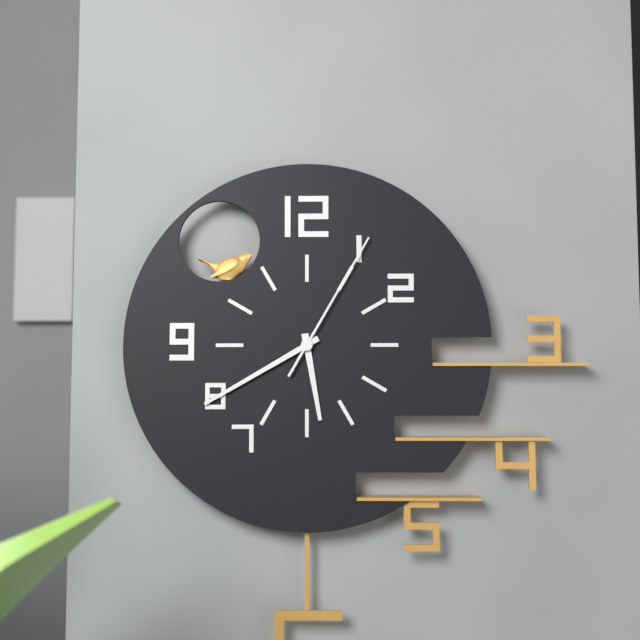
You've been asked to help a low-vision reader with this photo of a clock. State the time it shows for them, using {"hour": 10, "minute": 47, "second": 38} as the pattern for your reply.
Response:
{"hour": 5, "minute": 40, "second": 5}
